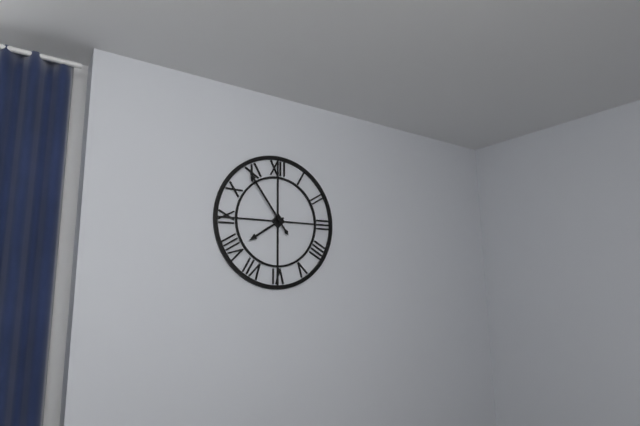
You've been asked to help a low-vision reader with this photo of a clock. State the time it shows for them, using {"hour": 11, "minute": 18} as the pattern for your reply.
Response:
{"hour": 7, "minute": 54}
